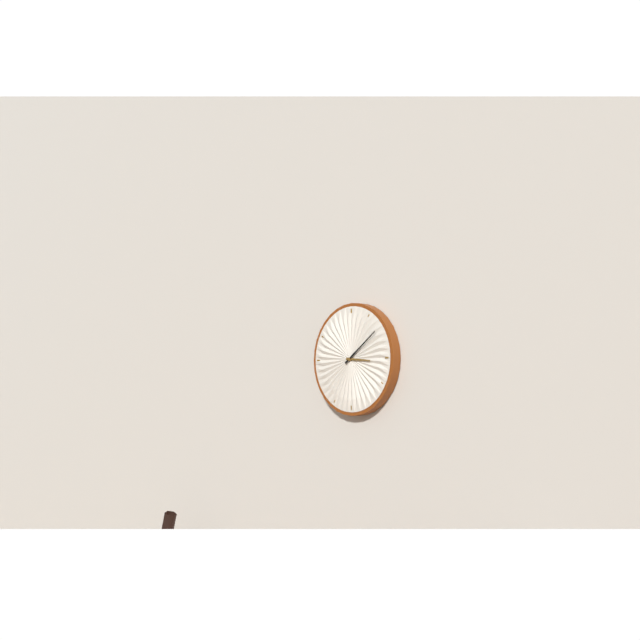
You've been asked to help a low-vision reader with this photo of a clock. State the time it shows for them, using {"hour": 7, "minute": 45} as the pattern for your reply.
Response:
{"hour": 3, "minute": 9}
